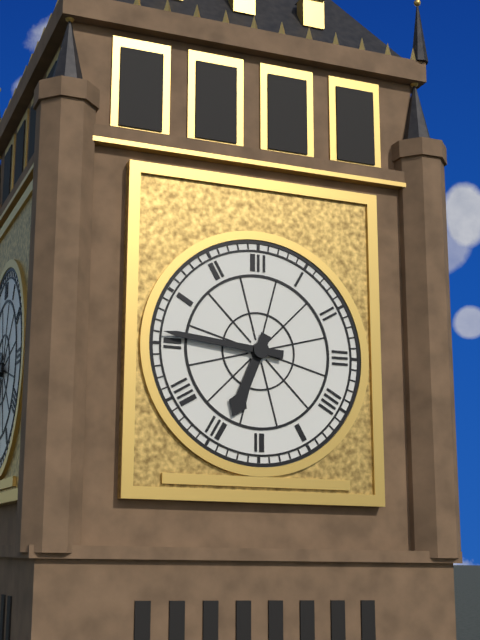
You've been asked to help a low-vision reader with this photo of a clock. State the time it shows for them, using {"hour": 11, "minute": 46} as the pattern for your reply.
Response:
{"hour": 6, "minute": 46}
